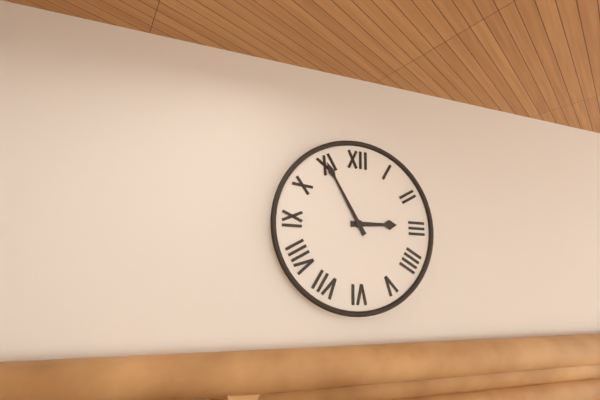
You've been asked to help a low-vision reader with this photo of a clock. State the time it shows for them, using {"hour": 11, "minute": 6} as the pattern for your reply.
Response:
{"hour": 2, "minute": 55}
